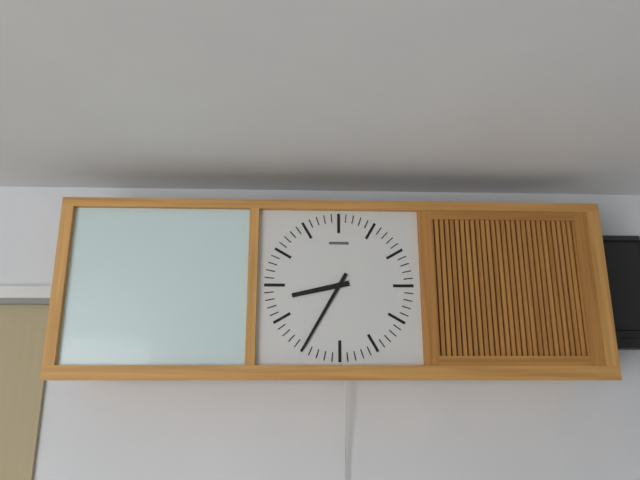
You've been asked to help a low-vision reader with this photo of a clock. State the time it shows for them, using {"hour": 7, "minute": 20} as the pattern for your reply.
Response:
{"hour": 8, "minute": 35}
